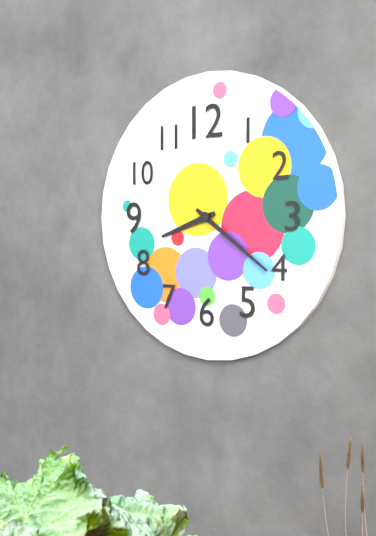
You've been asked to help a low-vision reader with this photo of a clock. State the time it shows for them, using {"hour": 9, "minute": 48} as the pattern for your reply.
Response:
{"hour": 8, "minute": 21}
